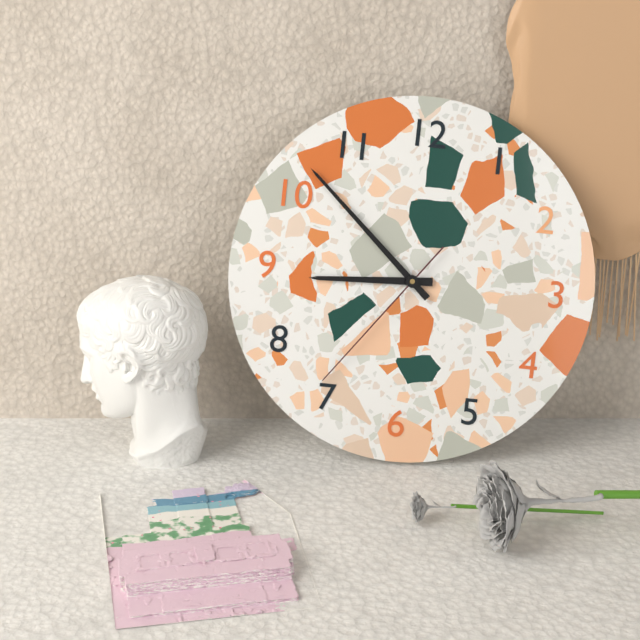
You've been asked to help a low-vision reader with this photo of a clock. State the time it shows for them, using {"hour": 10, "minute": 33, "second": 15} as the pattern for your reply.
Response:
{"hour": 8, "minute": 52, "second": 36}
